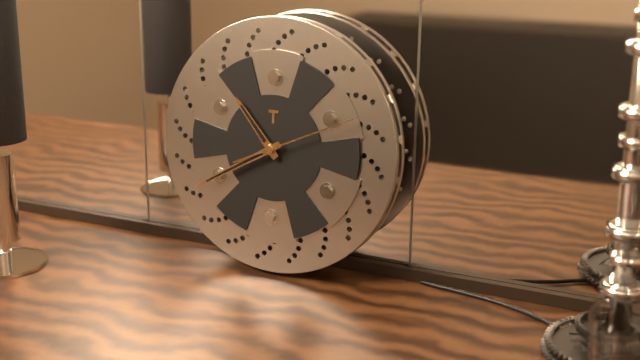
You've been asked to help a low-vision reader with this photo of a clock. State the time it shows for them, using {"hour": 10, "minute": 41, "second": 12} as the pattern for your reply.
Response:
{"hour": 10, "minute": 40, "second": 11}
